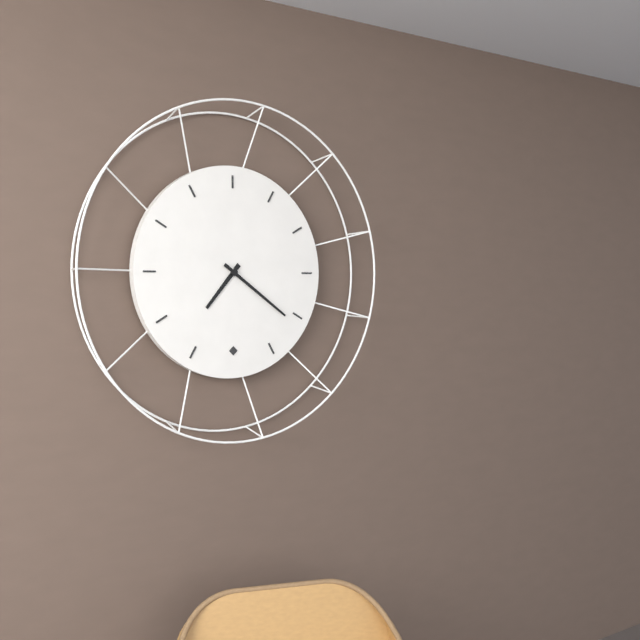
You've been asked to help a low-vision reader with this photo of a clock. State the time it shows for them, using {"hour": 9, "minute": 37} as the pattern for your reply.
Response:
{"hour": 7, "minute": 21}
